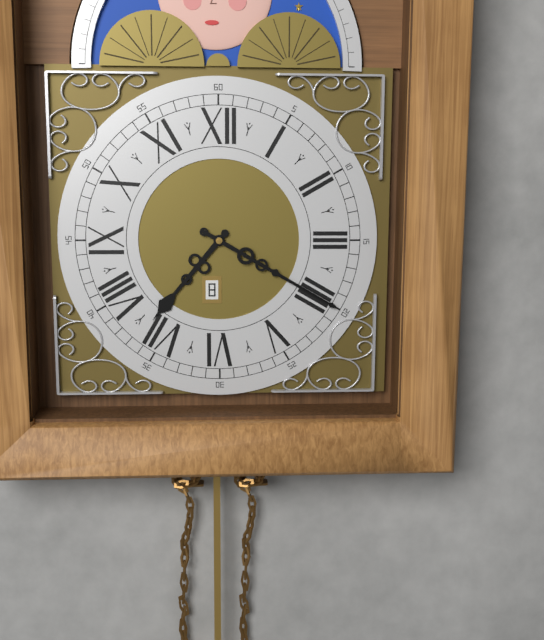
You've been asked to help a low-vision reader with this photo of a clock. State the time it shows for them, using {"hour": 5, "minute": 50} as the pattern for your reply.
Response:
{"hour": 7, "minute": 20}
